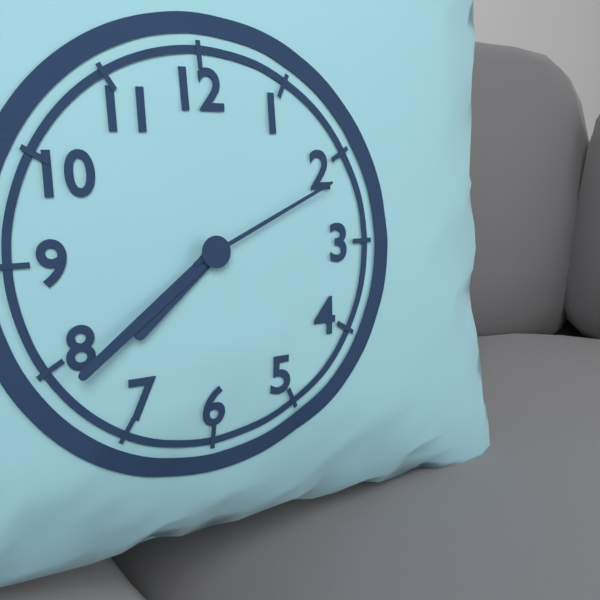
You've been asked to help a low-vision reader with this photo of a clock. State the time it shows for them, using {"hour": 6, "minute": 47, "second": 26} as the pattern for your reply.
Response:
{"hour": 7, "minute": 39, "second": 11}
